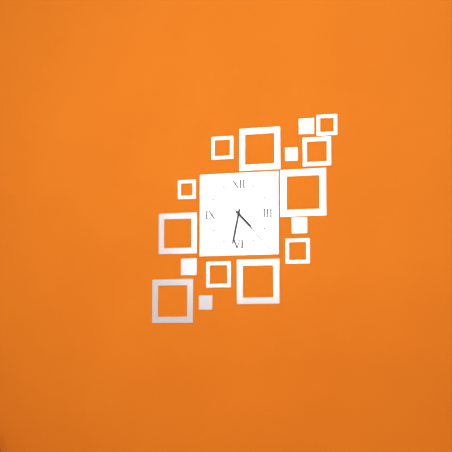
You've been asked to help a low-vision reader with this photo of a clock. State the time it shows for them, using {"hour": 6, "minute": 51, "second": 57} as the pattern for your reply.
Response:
{"hour": 4, "minute": 32, "second": 23}
